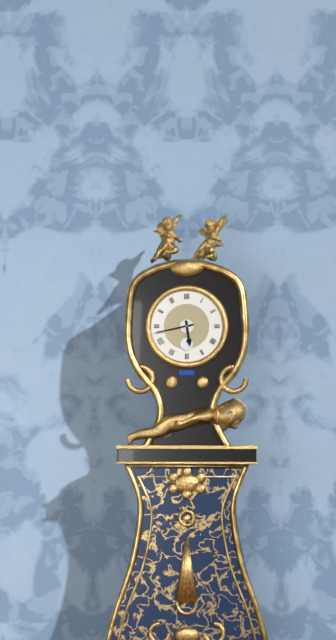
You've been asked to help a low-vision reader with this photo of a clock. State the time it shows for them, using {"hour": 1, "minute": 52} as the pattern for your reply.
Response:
{"hour": 5, "minute": 43}
